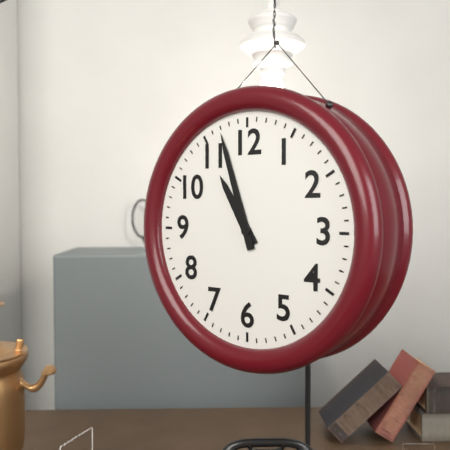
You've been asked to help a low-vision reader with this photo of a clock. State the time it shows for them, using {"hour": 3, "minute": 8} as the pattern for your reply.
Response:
{"hour": 10, "minute": 57}
